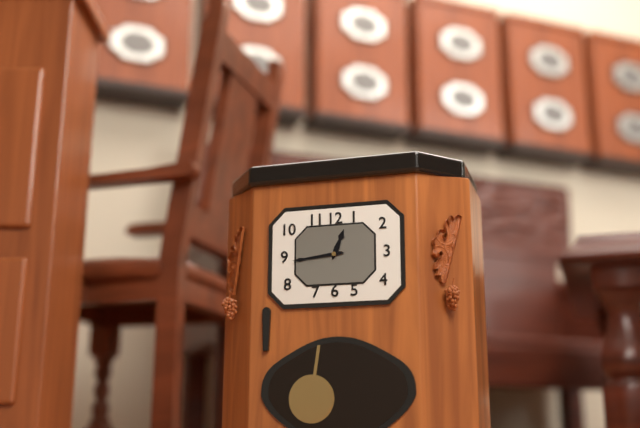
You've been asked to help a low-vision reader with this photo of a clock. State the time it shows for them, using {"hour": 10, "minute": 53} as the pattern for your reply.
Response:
{"hour": 12, "minute": 44}
